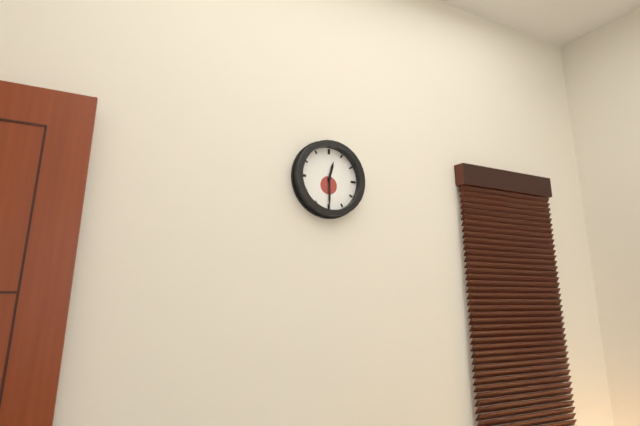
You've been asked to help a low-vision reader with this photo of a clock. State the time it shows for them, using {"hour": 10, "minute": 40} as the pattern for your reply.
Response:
{"hour": 12, "minute": 30}
